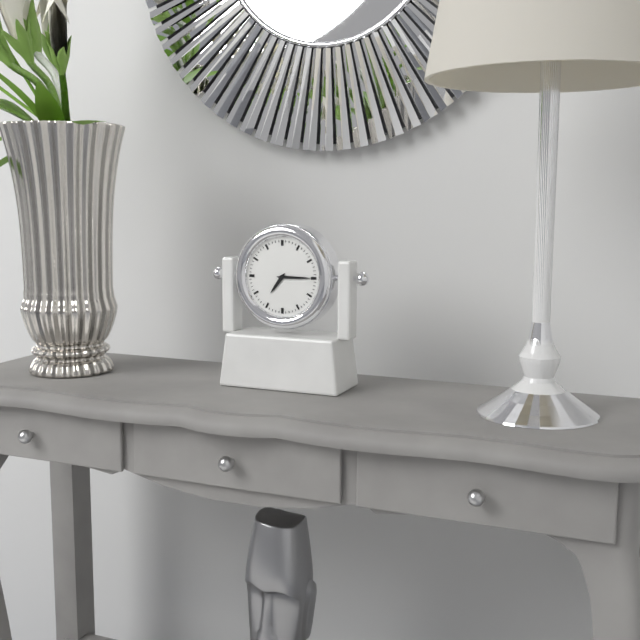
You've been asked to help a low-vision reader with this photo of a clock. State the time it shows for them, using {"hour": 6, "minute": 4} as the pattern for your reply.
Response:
{"hour": 7, "minute": 15}
